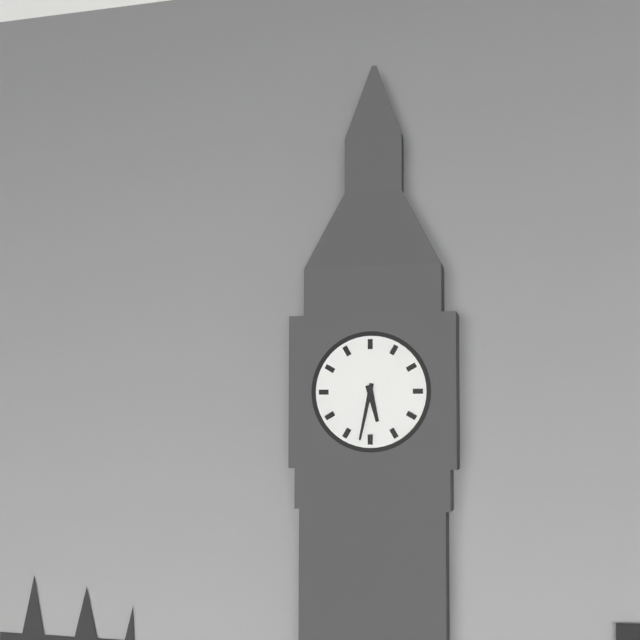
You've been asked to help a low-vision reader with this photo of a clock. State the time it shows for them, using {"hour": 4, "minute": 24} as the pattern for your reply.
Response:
{"hour": 5, "minute": 32}
